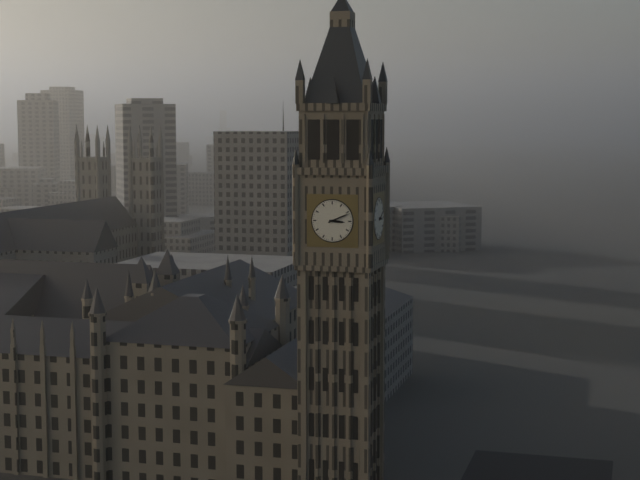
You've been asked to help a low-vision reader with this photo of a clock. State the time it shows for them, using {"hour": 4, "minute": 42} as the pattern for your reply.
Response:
{"hour": 3, "minute": 11}
